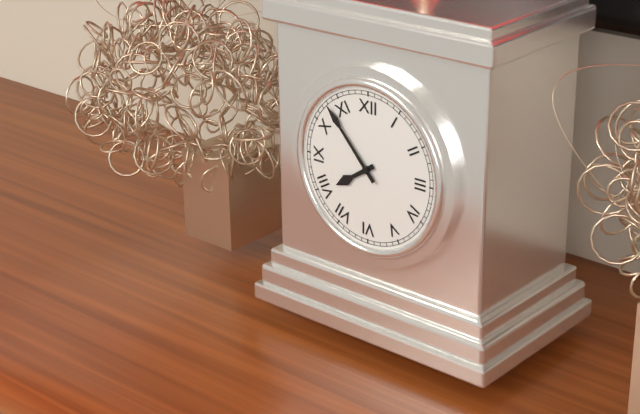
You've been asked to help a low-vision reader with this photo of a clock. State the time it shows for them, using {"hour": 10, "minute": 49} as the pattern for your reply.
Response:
{"hour": 7, "minute": 53}
